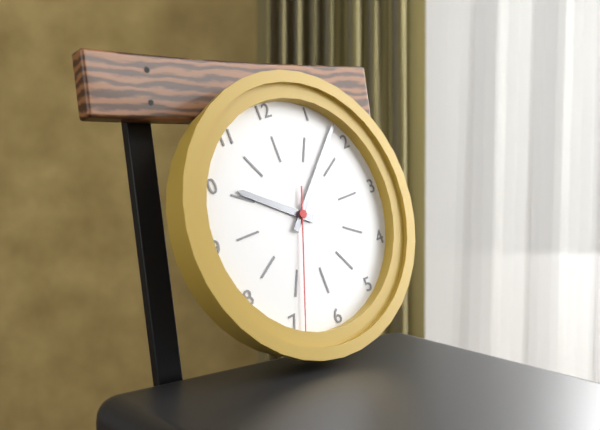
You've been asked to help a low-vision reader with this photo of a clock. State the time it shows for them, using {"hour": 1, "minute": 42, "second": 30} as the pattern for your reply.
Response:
{"hour": 10, "minute": 8, "second": 34}
